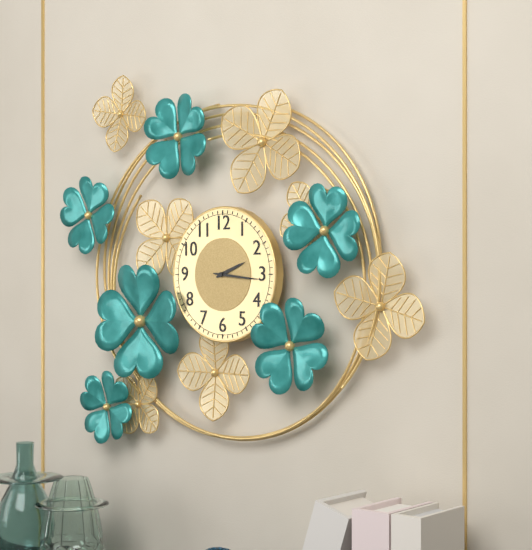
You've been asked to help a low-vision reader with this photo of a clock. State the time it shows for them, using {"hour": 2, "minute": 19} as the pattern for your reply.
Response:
{"hour": 2, "minute": 16}
